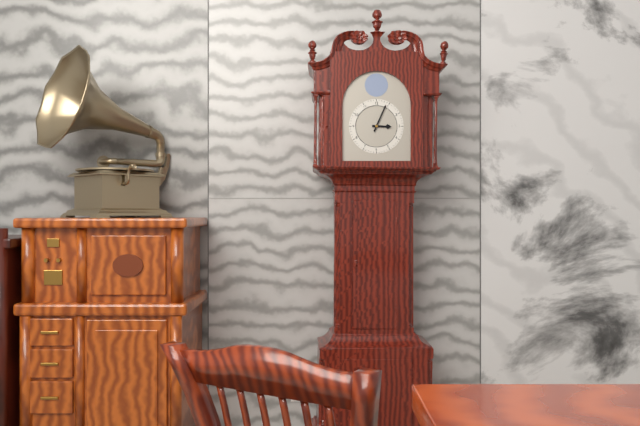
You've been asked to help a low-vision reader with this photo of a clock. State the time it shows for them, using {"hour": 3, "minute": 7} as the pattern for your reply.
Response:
{"hour": 3, "minute": 4}
